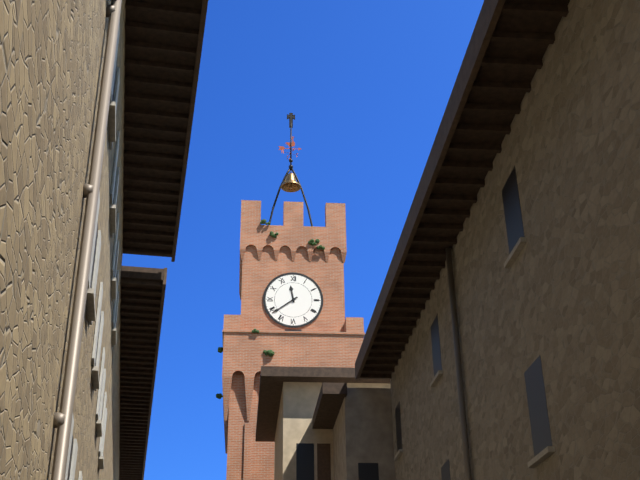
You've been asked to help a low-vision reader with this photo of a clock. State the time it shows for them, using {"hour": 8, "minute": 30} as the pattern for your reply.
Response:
{"hour": 11, "minute": 39}
